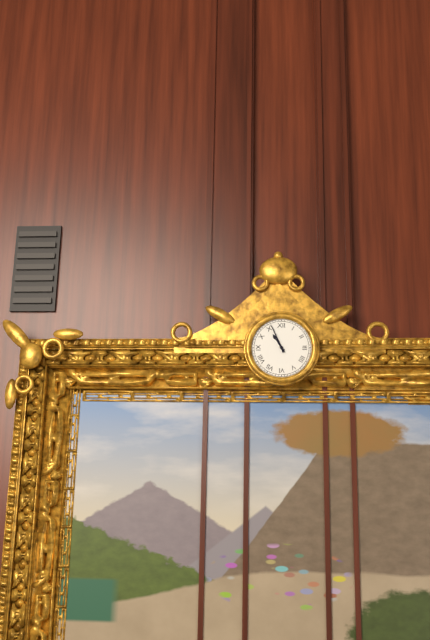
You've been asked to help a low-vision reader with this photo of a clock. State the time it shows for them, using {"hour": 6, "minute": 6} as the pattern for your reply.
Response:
{"hour": 10, "minute": 56}
